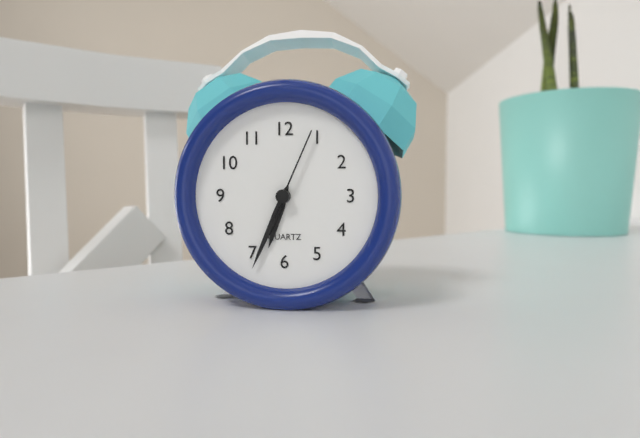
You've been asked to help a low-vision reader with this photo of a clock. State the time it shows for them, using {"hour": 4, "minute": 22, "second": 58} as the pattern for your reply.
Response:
{"hour": 6, "minute": 34, "second": 4}
